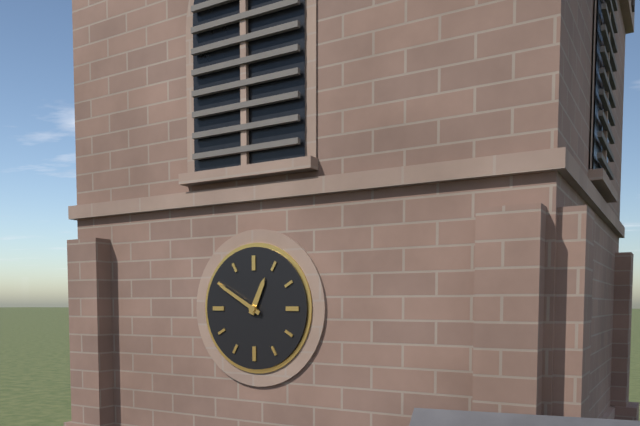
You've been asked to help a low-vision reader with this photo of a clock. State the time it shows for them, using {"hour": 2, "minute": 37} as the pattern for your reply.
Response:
{"hour": 12, "minute": 50}
